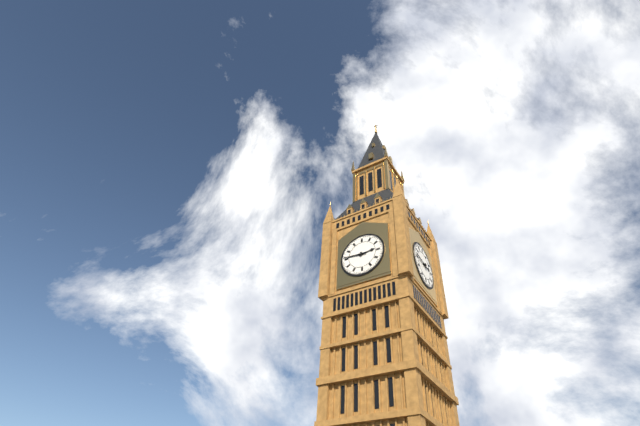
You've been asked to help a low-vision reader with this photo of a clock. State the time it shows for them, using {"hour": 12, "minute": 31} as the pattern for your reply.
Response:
{"hour": 2, "minute": 46}
